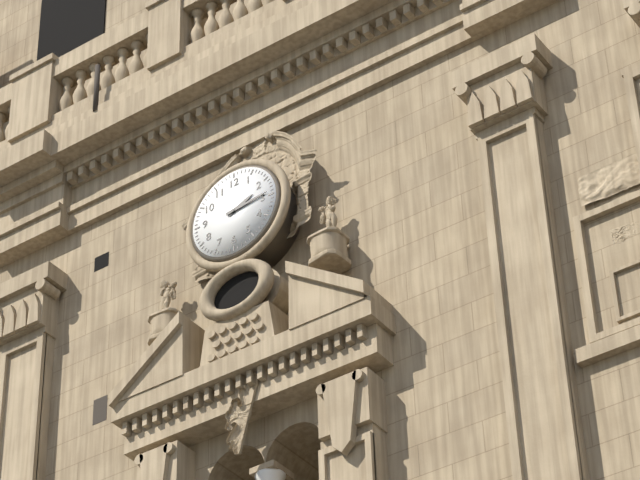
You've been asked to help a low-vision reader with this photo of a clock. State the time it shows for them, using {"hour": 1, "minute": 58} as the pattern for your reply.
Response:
{"hour": 2, "minute": 14}
